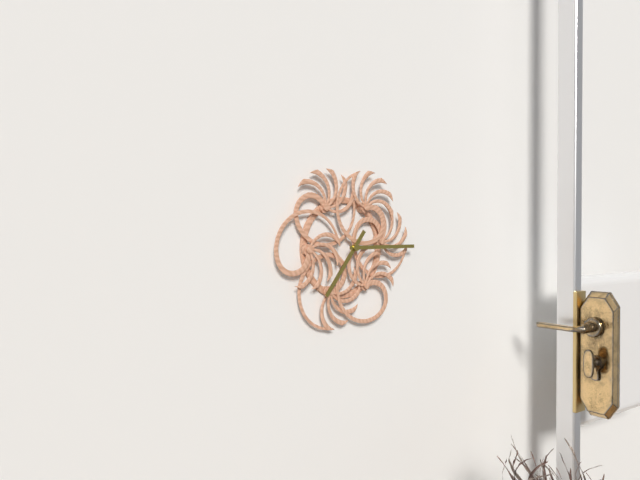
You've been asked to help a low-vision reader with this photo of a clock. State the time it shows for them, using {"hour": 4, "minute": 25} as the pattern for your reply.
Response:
{"hour": 7, "minute": 15}
